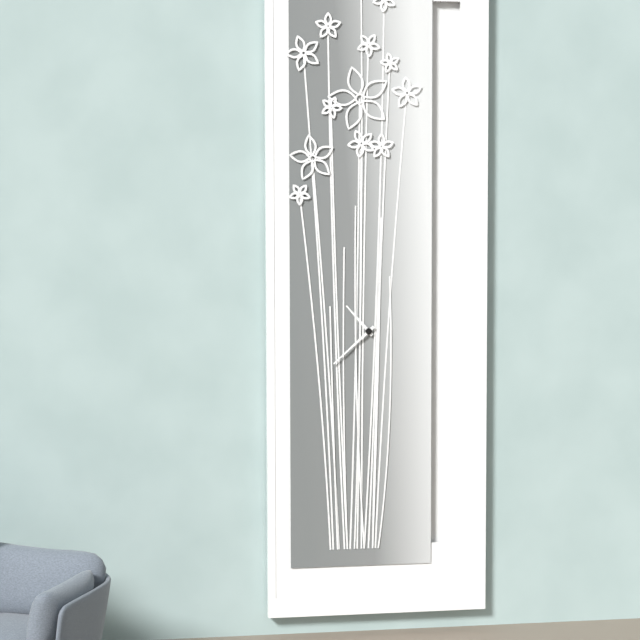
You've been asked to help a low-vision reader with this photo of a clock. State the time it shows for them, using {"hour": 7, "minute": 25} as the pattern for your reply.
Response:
{"hour": 10, "minute": 38}
